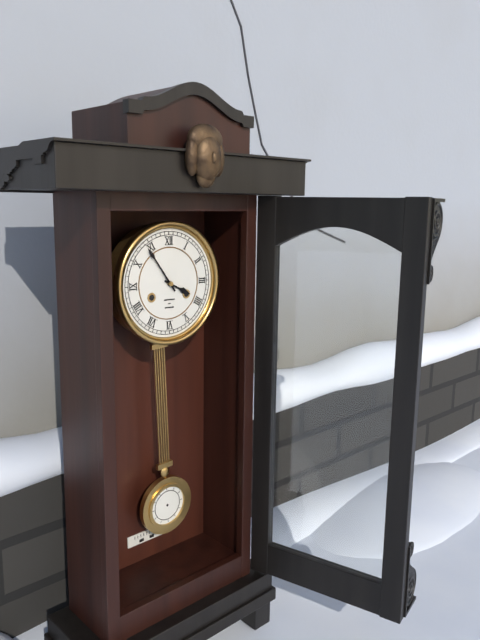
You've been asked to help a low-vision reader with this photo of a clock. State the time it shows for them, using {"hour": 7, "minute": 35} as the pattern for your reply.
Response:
{"hour": 3, "minute": 54}
